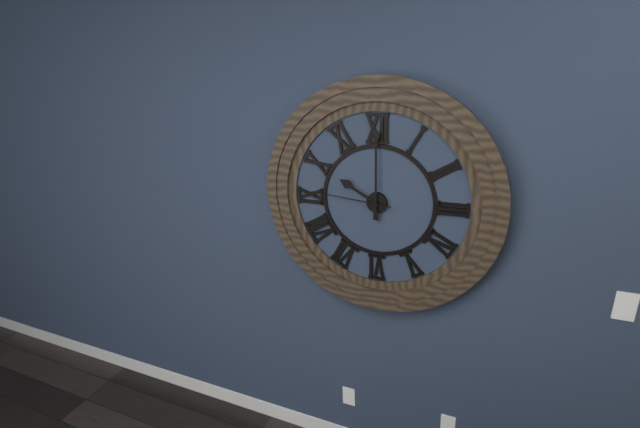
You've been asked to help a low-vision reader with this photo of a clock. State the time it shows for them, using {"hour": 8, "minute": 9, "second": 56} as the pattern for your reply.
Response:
{"hour": 10, "minute": 0, "second": 46}
